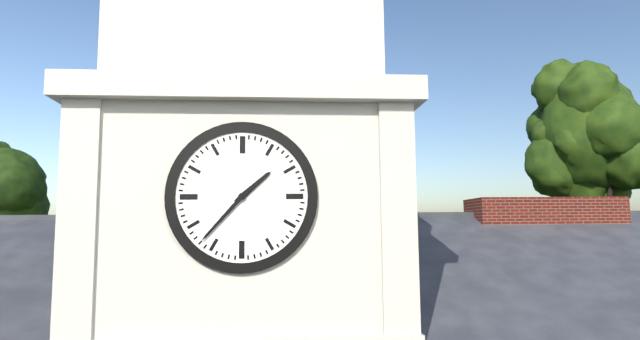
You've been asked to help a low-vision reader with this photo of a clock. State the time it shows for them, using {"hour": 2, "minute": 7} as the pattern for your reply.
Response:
{"hour": 1, "minute": 37}
